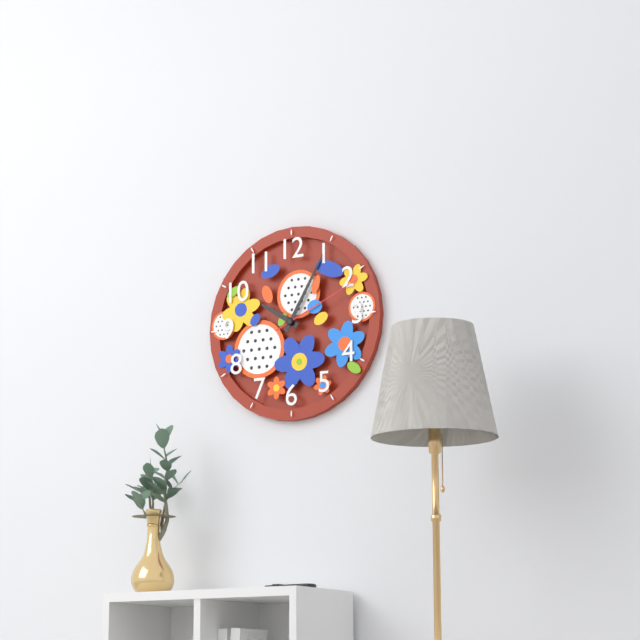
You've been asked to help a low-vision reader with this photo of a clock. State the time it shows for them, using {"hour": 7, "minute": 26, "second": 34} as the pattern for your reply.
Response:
{"hour": 10, "minute": 5, "second": 11}
